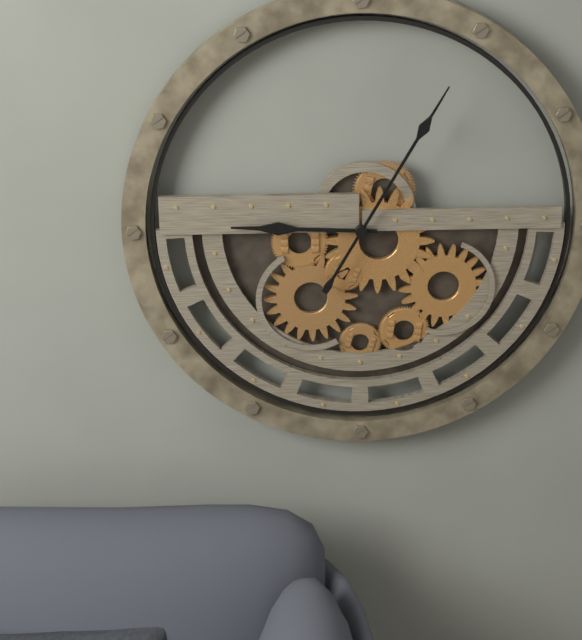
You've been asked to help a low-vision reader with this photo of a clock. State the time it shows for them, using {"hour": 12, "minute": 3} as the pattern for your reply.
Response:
{"hour": 9, "minute": 5}
